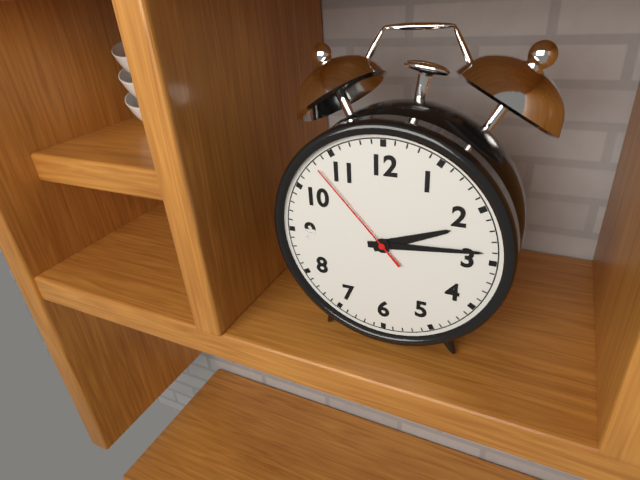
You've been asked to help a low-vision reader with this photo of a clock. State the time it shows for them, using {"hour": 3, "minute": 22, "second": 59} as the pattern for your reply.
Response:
{"hour": 2, "minute": 14, "second": 53}
